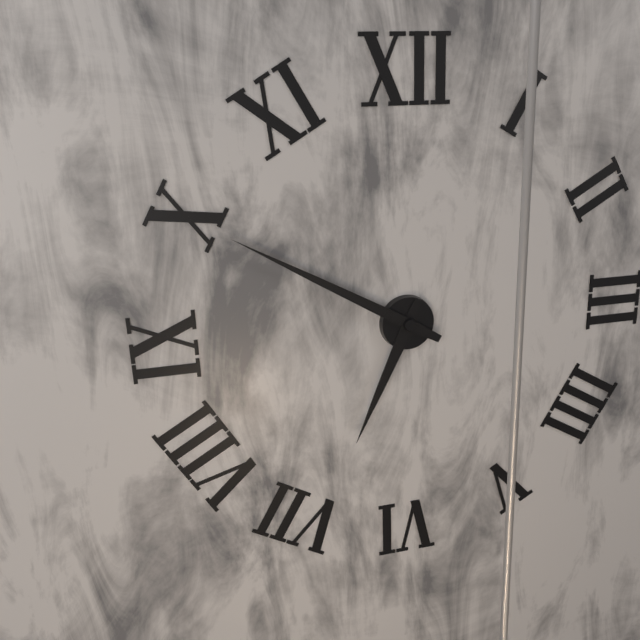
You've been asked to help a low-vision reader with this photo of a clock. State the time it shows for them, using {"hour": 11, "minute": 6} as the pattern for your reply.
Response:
{"hour": 6, "minute": 50}
